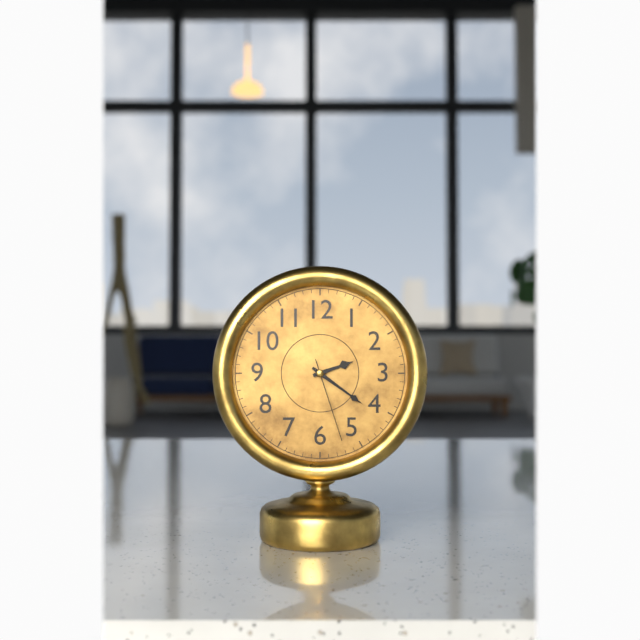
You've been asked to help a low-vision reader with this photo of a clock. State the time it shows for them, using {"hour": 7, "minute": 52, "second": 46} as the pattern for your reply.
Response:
{"hour": 2, "minute": 21, "second": 27}
